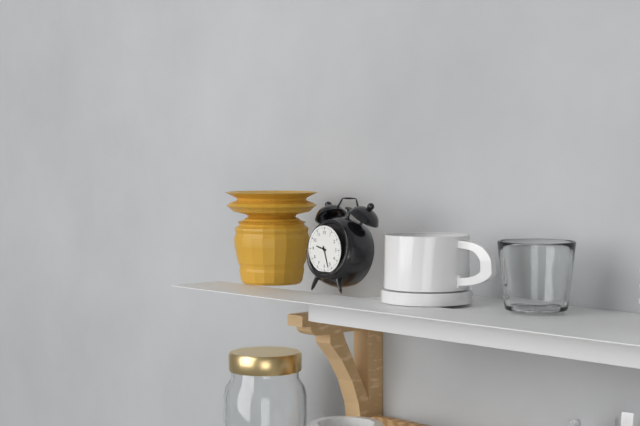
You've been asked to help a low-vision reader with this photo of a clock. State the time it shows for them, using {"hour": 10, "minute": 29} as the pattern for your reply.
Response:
{"hour": 9, "minute": 27}
